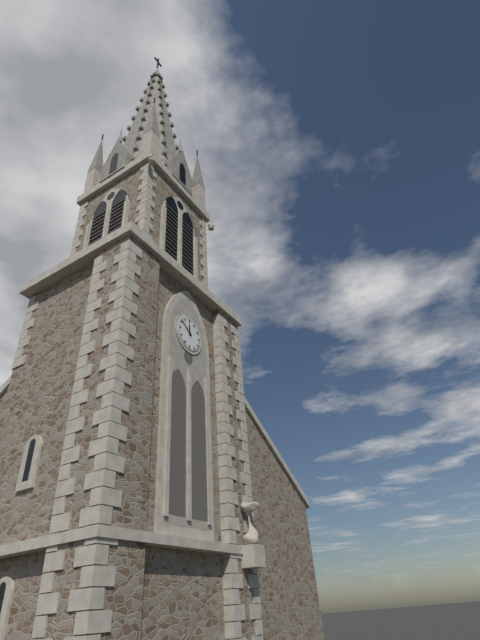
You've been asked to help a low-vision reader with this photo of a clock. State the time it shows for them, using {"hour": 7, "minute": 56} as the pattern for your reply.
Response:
{"hour": 11, "minute": 51}
